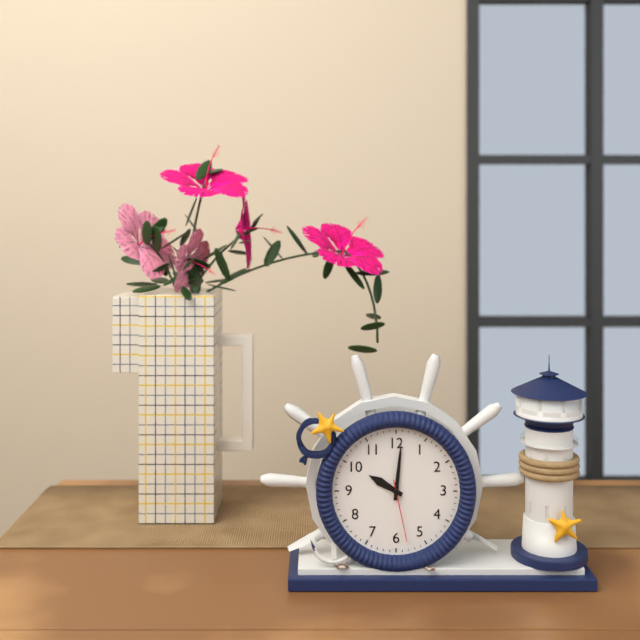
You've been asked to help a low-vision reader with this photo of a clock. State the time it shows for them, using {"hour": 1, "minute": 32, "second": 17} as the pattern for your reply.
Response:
{"hour": 10, "minute": 1, "second": 28}
